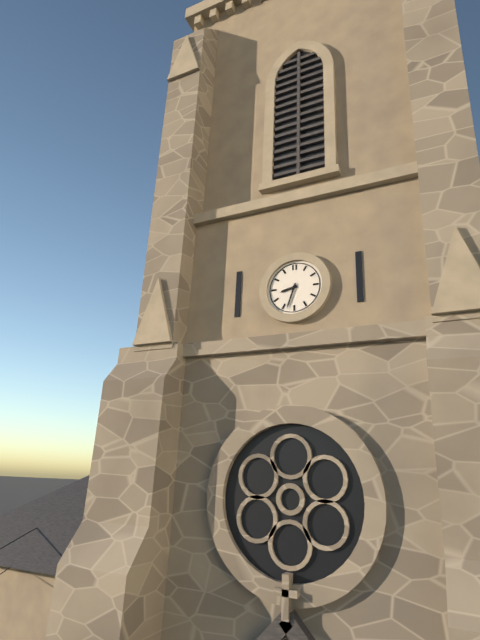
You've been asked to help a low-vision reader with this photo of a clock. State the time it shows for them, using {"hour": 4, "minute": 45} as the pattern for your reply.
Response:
{"hour": 8, "minute": 33}
